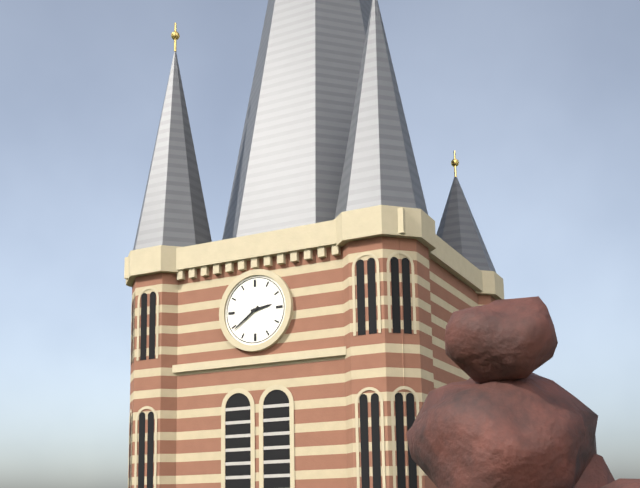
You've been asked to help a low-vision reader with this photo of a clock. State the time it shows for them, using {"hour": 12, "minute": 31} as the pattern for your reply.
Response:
{"hour": 2, "minute": 39}
